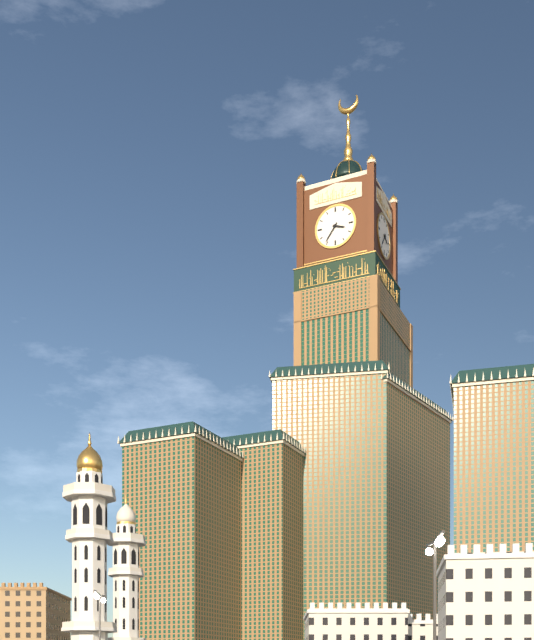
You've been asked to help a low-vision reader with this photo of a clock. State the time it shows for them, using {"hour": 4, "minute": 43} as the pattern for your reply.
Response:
{"hour": 3, "minute": 36}
